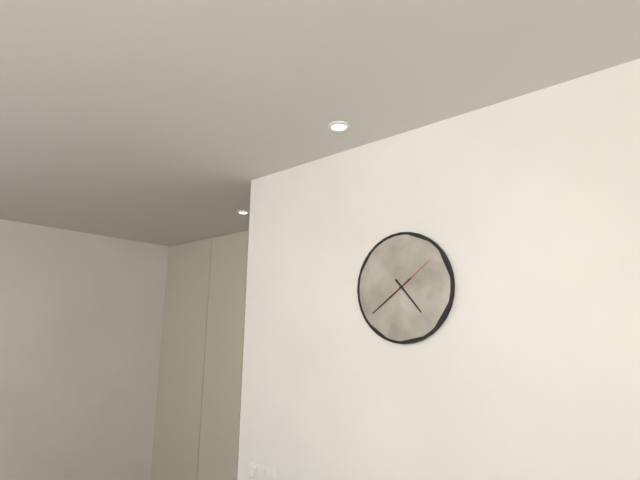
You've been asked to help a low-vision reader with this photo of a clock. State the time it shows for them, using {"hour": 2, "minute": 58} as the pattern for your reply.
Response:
{"hour": 4, "minute": 39}
